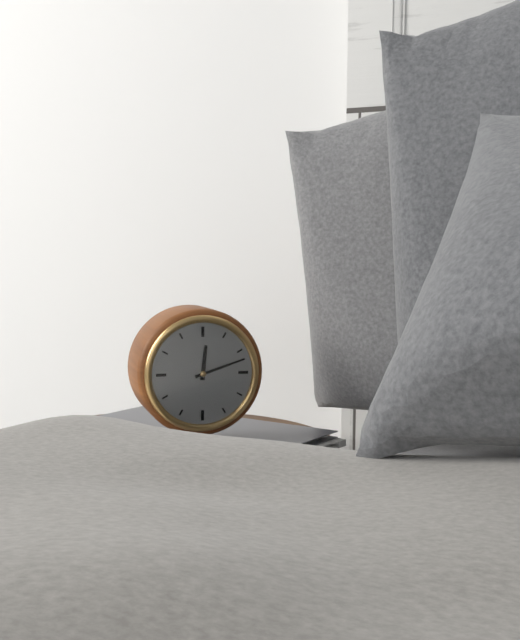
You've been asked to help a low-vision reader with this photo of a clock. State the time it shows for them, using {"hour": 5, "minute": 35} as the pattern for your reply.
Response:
{"hour": 12, "minute": 12}
